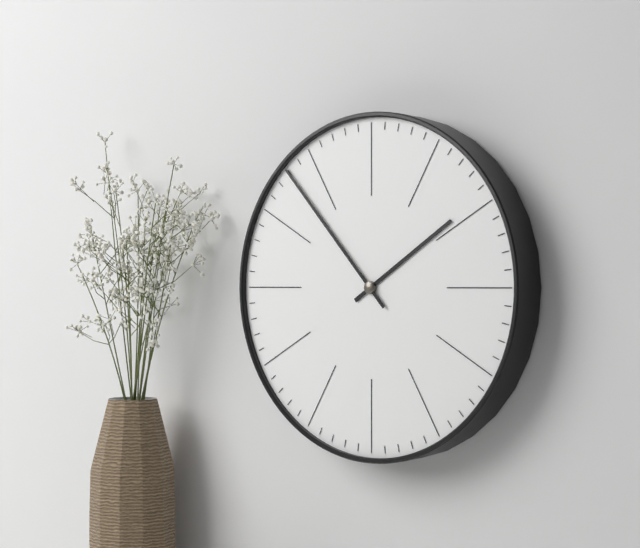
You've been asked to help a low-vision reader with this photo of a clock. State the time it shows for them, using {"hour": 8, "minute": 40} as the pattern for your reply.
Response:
{"hour": 1, "minute": 53}
